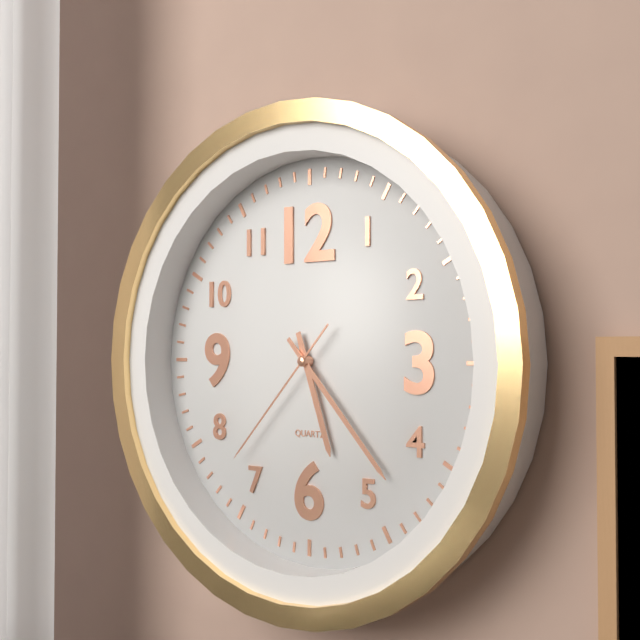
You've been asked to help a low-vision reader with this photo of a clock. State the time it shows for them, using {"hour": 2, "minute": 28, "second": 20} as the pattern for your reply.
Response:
{"hour": 5, "minute": 23, "second": 37}
